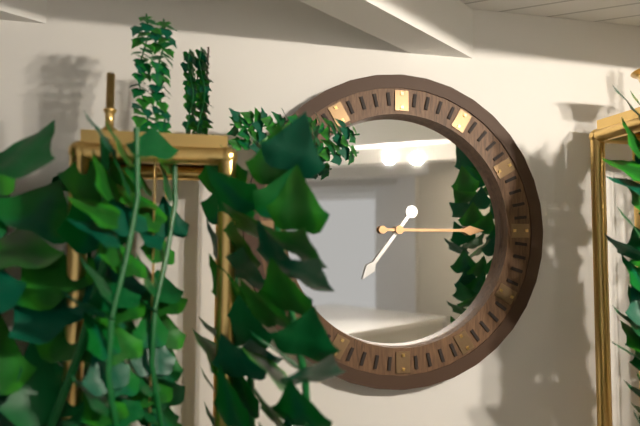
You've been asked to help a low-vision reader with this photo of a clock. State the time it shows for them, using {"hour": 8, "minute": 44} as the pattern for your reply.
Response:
{"hour": 7, "minute": 15}
